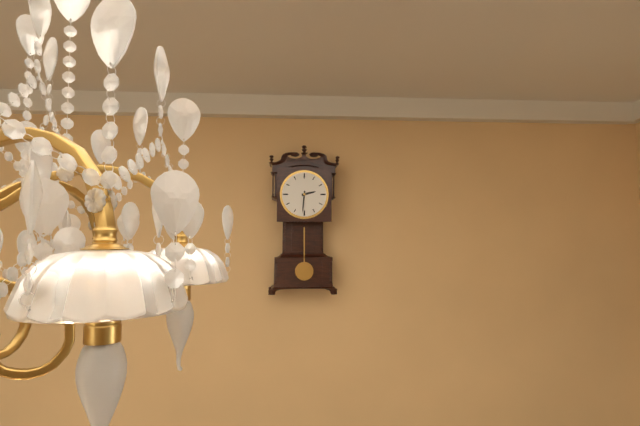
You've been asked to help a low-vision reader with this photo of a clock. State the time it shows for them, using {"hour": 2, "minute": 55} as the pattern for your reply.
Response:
{"hour": 2, "minute": 31}
